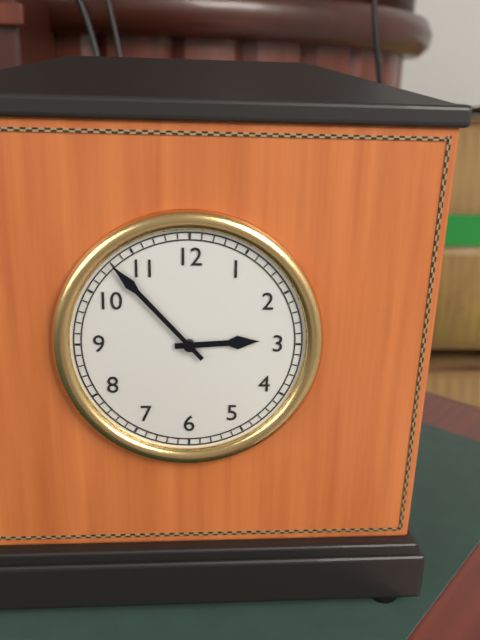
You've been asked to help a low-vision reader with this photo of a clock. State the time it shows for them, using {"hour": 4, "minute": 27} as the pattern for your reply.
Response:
{"hour": 2, "minute": 53}
